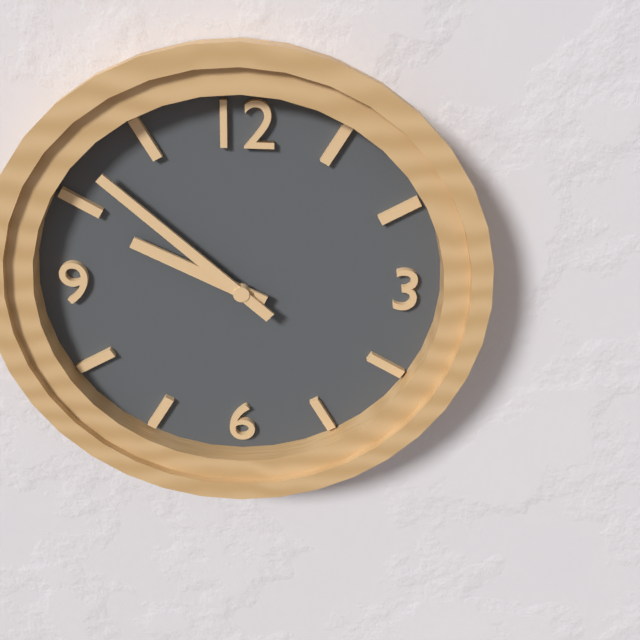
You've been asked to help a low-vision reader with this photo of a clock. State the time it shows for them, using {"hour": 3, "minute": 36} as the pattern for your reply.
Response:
{"hour": 9, "minute": 52}
